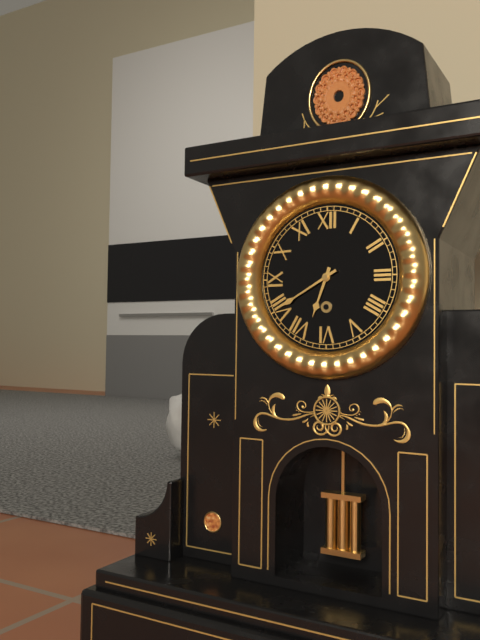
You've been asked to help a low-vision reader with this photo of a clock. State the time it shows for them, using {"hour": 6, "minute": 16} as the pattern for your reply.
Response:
{"hour": 6, "minute": 40}
